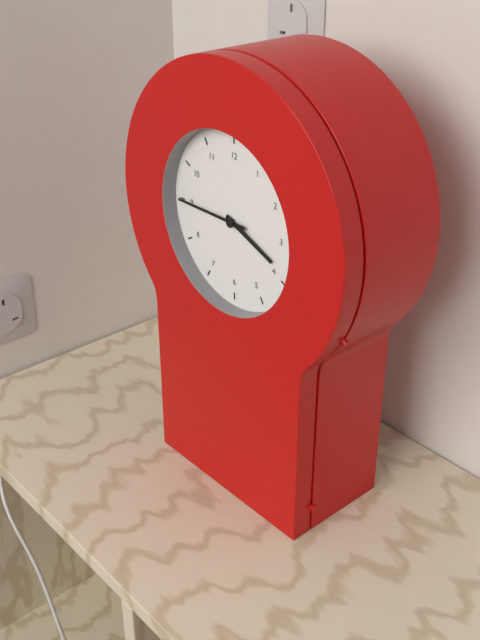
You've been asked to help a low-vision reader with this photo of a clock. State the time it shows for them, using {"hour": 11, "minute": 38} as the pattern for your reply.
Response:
{"hour": 3, "minute": 45}
